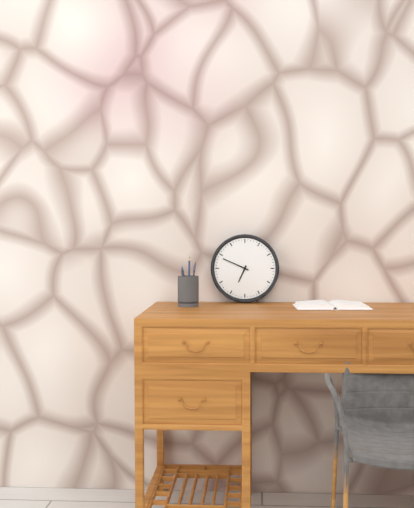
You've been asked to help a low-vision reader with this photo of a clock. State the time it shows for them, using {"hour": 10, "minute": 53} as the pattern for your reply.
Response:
{"hour": 6, "minute": 49}
